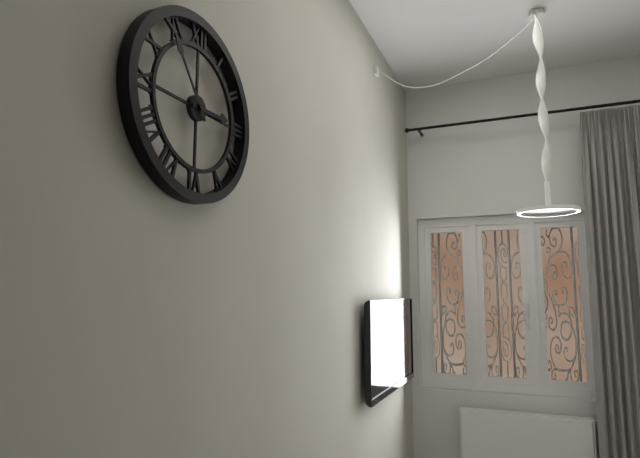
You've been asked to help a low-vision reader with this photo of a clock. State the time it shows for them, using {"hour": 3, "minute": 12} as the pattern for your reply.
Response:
{"hour": 2, "minute": 54}
